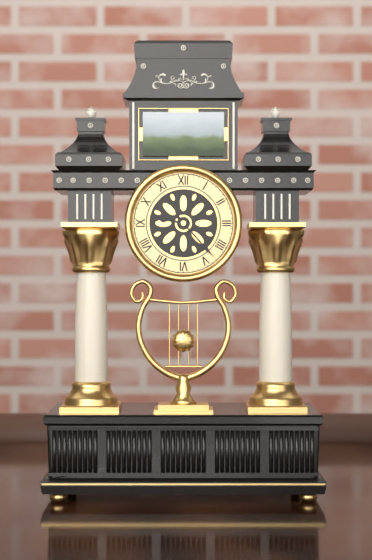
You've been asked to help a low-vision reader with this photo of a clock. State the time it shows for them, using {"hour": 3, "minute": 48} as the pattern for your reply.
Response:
{"hour": 9, "minute": 23}
